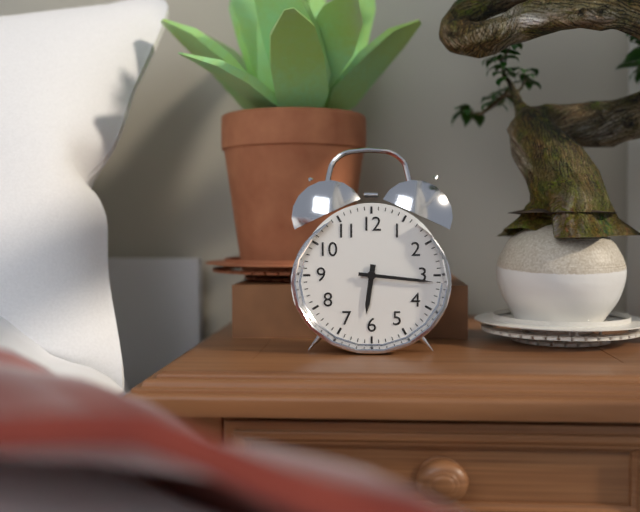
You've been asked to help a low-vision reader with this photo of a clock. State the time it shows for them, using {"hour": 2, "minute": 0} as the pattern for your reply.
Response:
{"hour": 6, "minute": 16}
